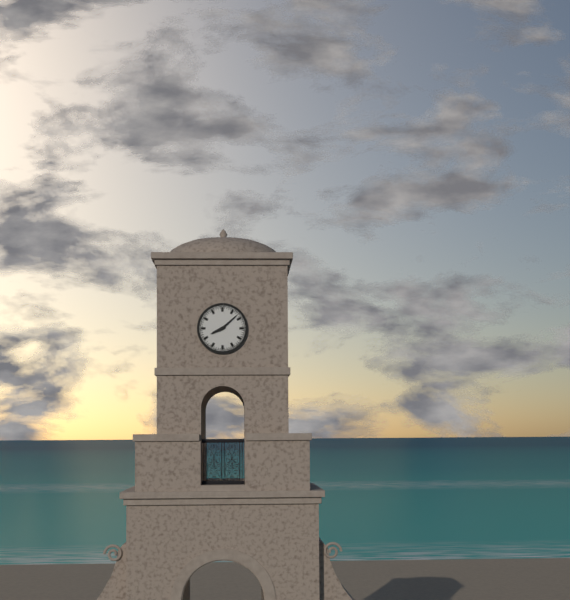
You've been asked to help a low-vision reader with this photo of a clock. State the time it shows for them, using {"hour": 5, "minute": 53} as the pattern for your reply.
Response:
{"hour": 8, "minute": 8}
